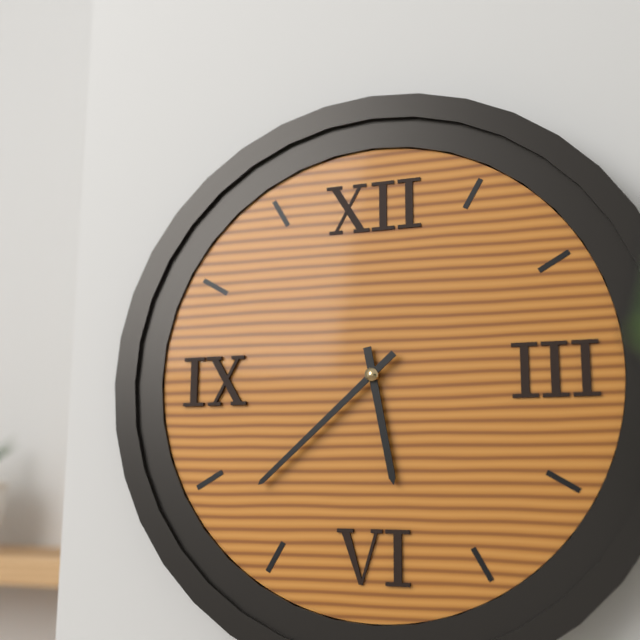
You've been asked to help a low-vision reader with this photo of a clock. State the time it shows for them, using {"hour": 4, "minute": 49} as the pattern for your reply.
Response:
{"hour": 5, "minute": 38}
